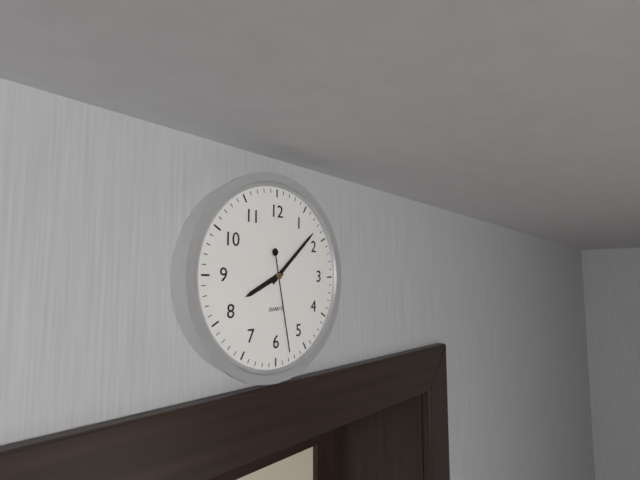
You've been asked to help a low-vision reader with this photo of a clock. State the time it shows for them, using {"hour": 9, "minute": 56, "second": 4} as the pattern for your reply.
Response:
{"hour": 8, "minute": 8, "second": 28}
